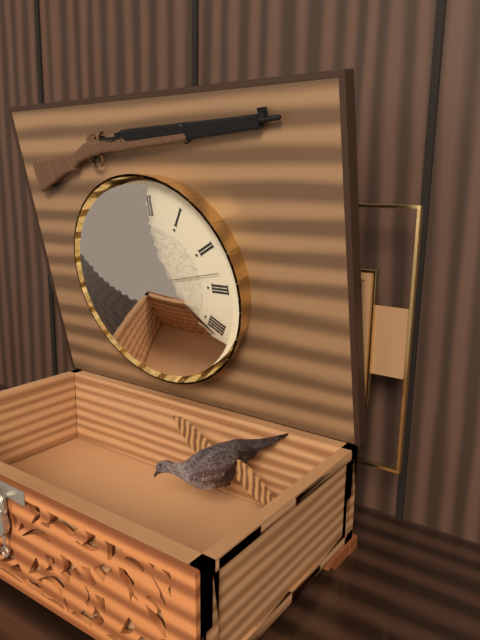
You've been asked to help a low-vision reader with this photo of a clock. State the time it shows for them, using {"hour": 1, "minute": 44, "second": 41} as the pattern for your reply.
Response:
{"hour": 11, "minute": 21, "second": 13}
